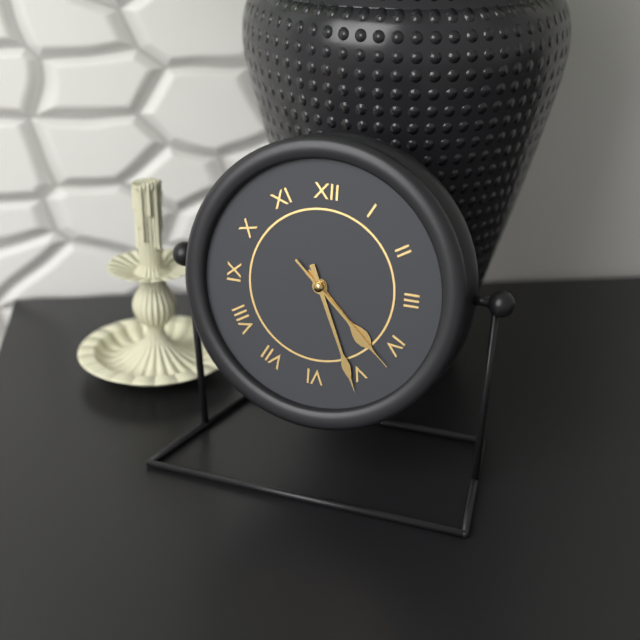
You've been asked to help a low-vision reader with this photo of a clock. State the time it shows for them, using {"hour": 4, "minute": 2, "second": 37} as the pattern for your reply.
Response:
{"hour": 4, "minute": 26, "second": 22}
